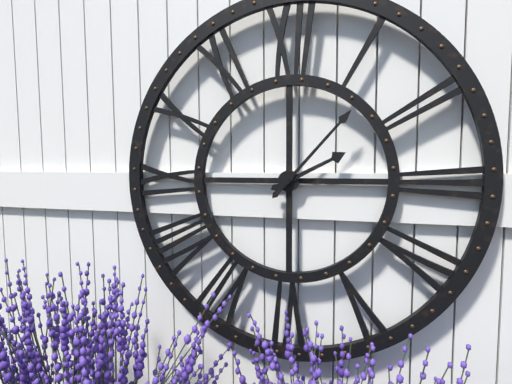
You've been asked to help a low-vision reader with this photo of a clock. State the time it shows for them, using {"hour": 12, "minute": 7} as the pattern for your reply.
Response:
{"hour": 2, "minute": 7}
